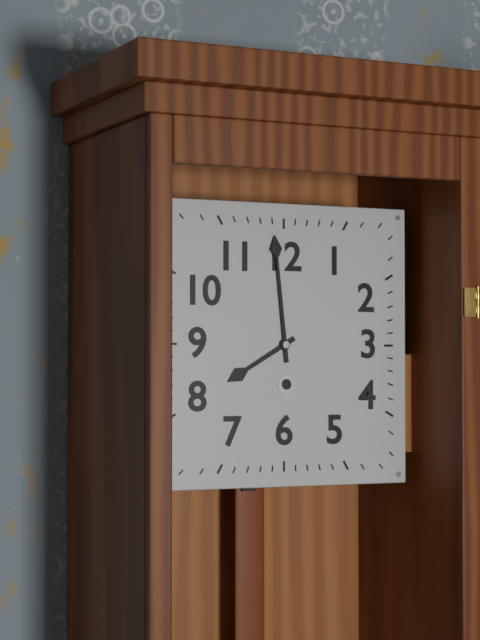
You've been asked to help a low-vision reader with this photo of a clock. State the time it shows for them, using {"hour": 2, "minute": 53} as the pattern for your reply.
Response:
{"hour": 7, "minute": 59}
